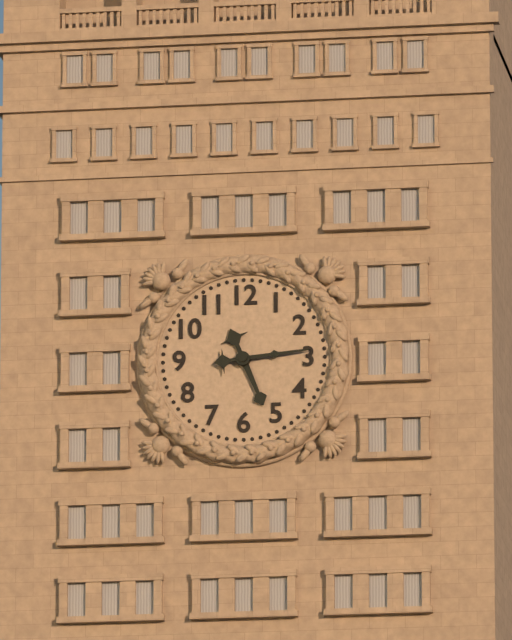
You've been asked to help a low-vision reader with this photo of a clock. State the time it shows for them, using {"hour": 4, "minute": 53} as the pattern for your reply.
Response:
{"hour": 5, "minute": 14}
